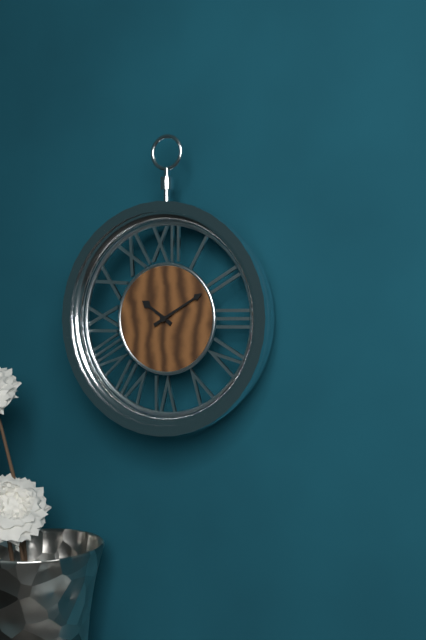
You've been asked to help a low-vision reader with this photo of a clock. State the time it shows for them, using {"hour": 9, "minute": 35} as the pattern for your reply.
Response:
{"hour": 10, "minute": 10}
